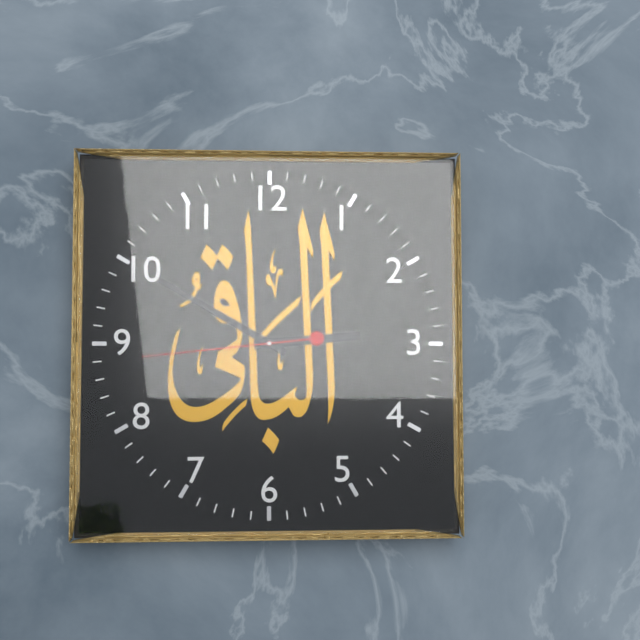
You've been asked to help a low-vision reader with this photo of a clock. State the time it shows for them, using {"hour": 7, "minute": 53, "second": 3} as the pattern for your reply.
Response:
{"hour": 2, "minute": 50, "second": 44}
